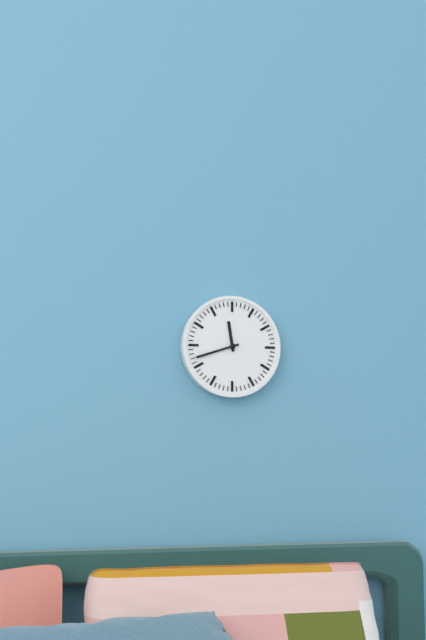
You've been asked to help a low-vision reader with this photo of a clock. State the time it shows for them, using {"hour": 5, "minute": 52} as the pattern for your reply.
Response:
{"hour": 11, "minute": 42}
